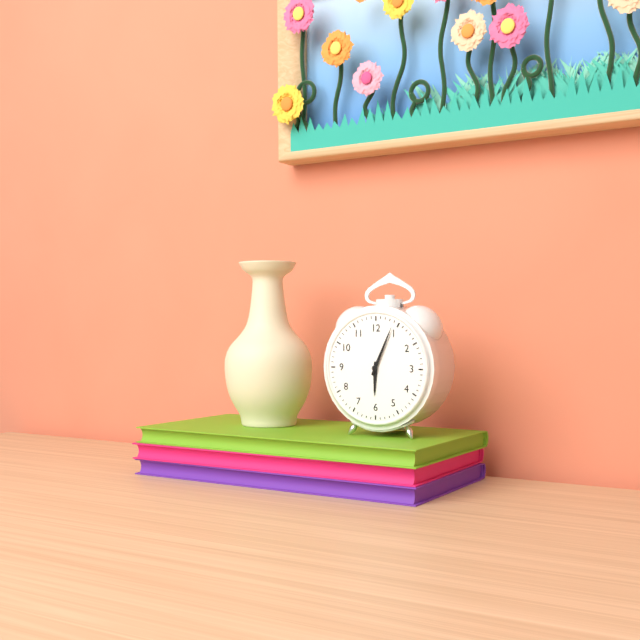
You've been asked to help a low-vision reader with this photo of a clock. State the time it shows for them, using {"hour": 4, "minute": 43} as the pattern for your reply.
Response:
{"hour": 6, "minute": 4}
